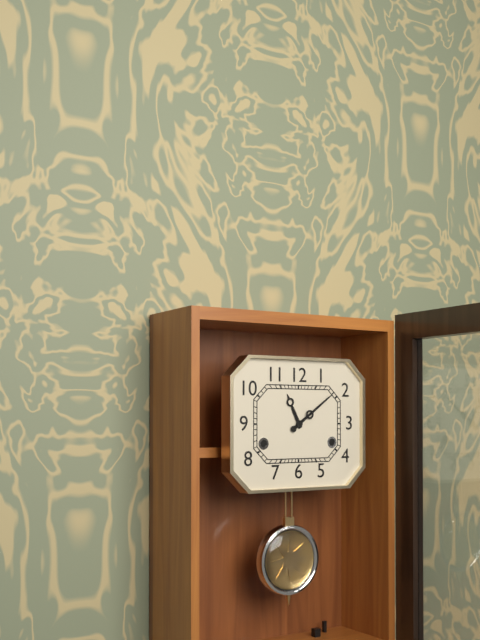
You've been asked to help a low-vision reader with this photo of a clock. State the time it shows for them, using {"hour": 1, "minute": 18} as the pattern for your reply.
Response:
{"hour": 11, "minute": 9}
